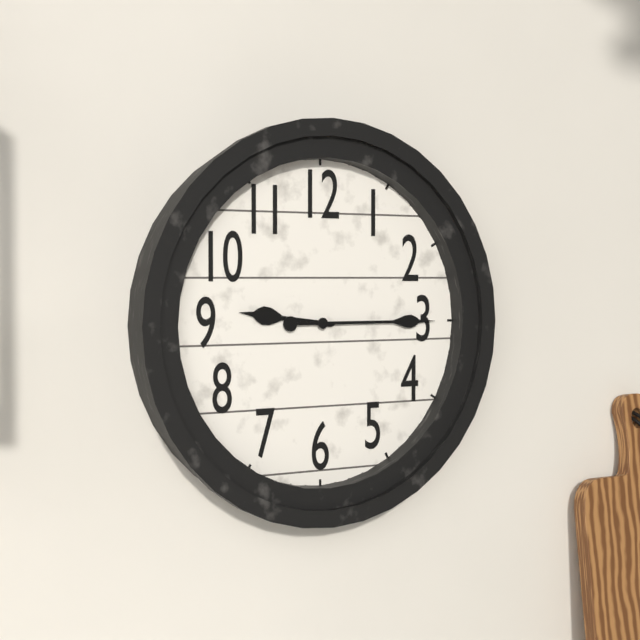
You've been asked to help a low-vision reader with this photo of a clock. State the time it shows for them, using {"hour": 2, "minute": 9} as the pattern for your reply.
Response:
{"hour": 9, "minute": 15}
